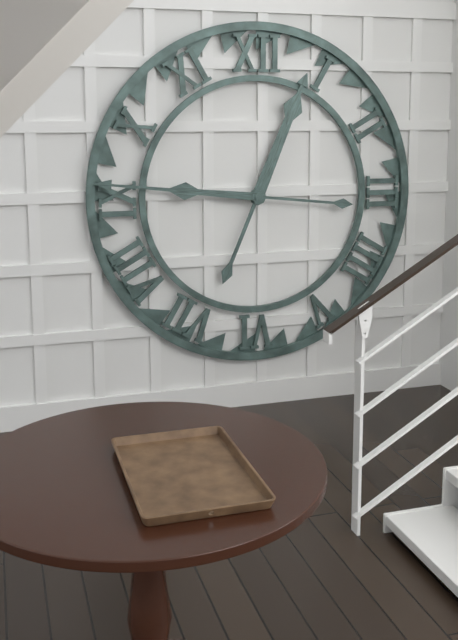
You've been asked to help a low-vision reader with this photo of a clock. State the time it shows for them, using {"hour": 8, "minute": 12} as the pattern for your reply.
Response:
{"hour": 12, "minute": 46}
